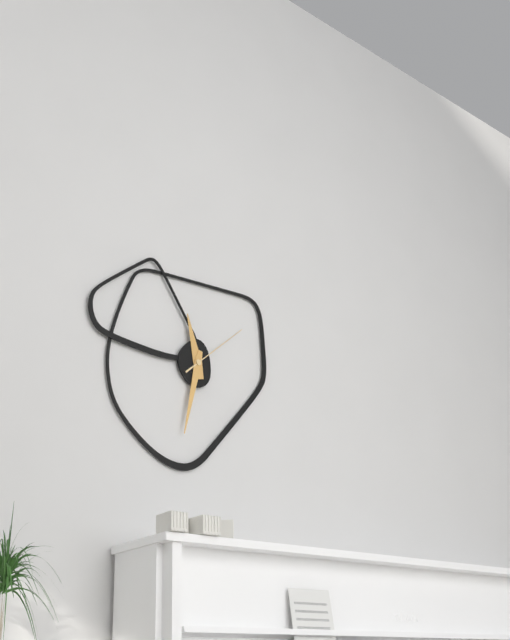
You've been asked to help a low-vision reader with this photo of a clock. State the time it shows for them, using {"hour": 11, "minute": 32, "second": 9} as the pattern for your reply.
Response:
{"hour": 11, "minute": 32, "second": 8}
